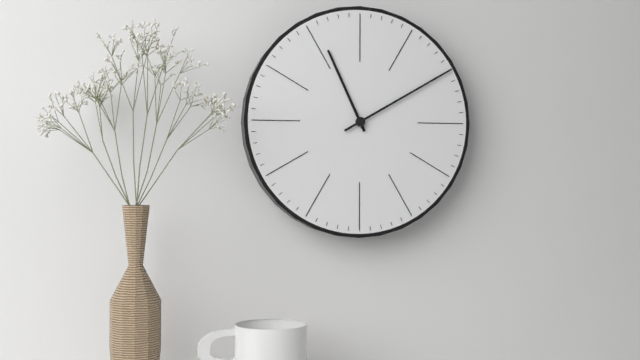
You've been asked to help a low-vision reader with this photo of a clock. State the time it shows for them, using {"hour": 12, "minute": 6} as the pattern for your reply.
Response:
{"hour": 11, "minute": 10}
